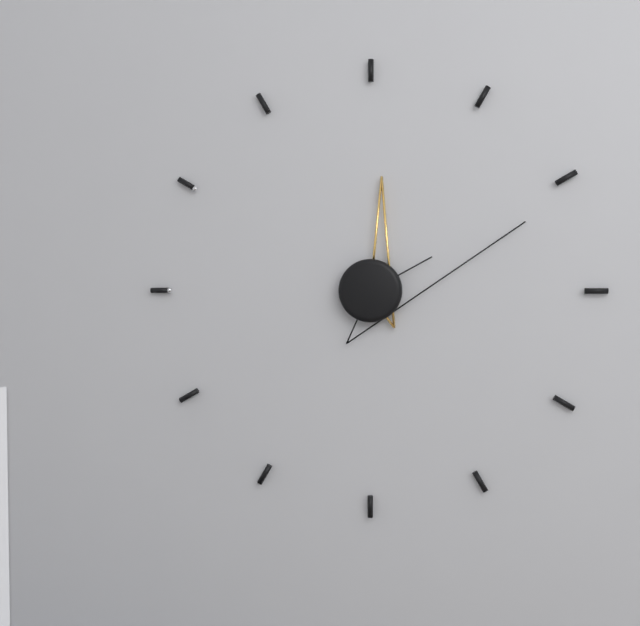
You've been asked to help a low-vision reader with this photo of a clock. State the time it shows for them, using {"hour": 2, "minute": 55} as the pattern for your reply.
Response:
{"hour": 12, "minute": 11}
